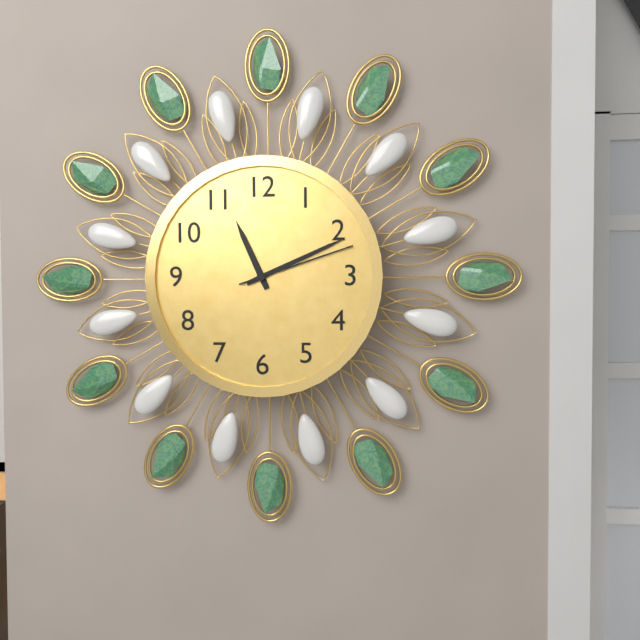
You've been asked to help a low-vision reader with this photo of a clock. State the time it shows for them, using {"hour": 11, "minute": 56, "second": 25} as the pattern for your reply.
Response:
{"hour": 11, "minute": 11, "second": 12}
